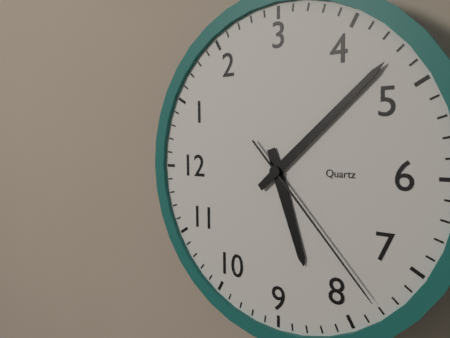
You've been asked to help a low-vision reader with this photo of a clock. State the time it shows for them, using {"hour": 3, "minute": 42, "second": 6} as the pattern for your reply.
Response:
{"hour": 8, "minute": 23, "second": 38}
